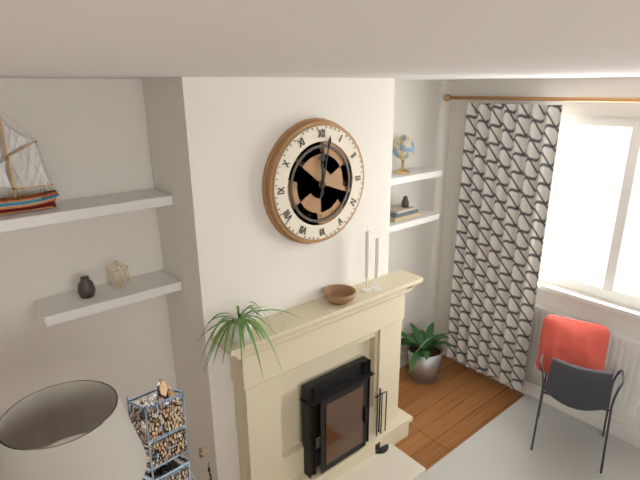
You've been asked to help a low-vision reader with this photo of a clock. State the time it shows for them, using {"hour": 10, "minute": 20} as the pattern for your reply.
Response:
{"hour": 12, "minute": 2}
